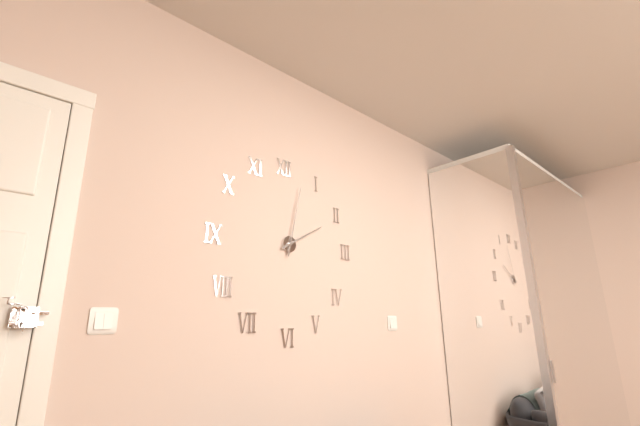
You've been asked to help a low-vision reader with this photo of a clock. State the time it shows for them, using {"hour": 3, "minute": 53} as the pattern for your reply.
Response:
{"hour": 2, "minute": 2}
